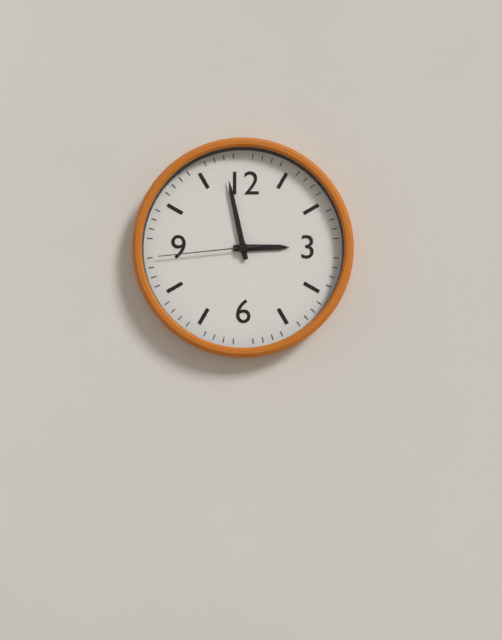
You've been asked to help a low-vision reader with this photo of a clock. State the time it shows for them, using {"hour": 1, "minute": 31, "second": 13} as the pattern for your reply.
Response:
{"hour": 2, "minute": 58, "second": 44}
